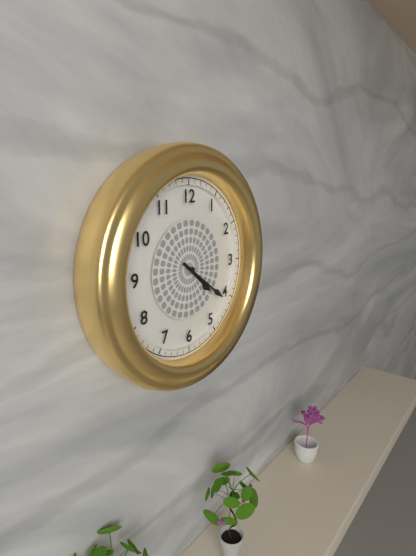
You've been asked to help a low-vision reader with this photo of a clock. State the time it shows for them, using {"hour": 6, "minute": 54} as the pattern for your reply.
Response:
{"hour": 4, "minute": 21}
